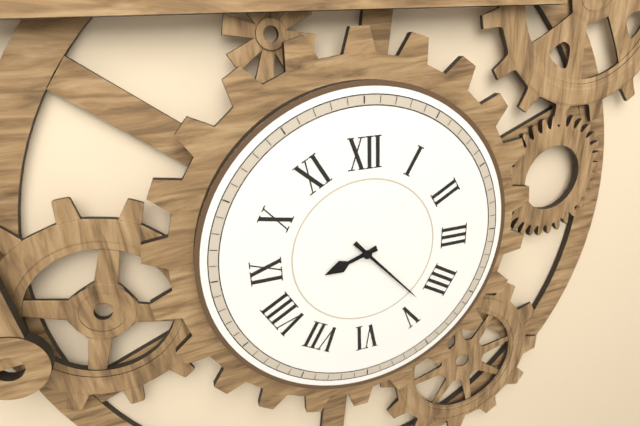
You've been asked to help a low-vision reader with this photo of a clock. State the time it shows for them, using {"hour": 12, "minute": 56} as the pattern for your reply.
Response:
{"hour": 8, "minute": 23}
